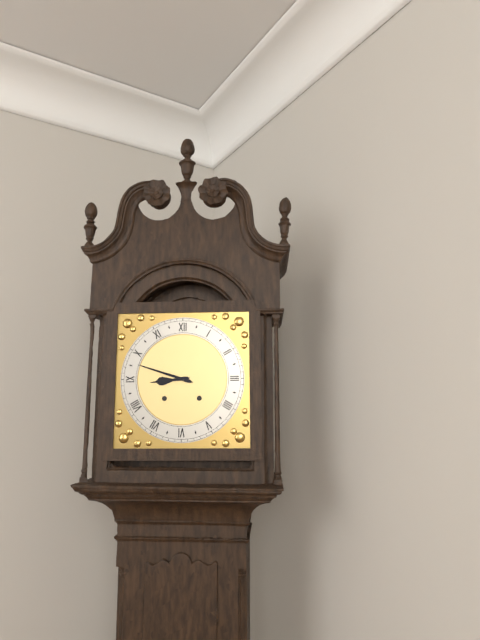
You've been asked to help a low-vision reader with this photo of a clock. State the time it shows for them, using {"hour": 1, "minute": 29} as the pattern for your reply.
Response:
{"hour": 8, "minute": 48}
